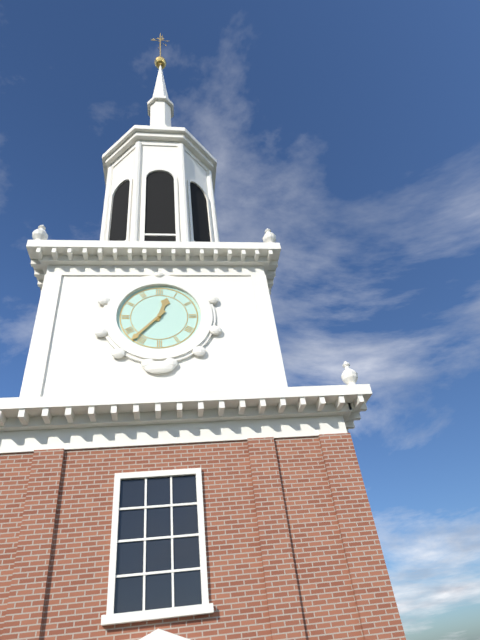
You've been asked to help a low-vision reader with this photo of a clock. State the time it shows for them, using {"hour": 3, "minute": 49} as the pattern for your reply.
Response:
{"hour": 12, "minute": 37}
